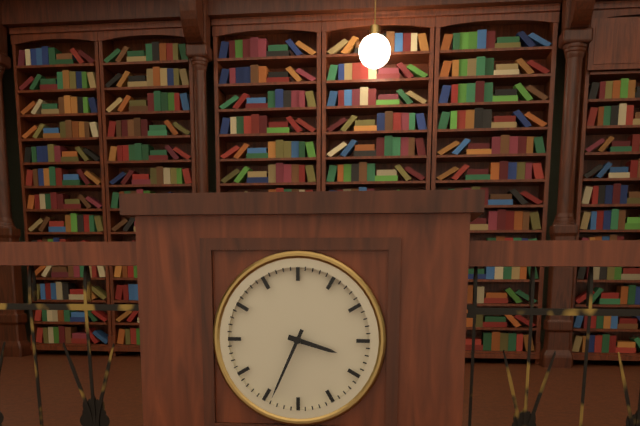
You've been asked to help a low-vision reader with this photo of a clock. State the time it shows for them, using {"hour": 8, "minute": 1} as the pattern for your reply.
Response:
{"hour": 3, "minute": 34}
